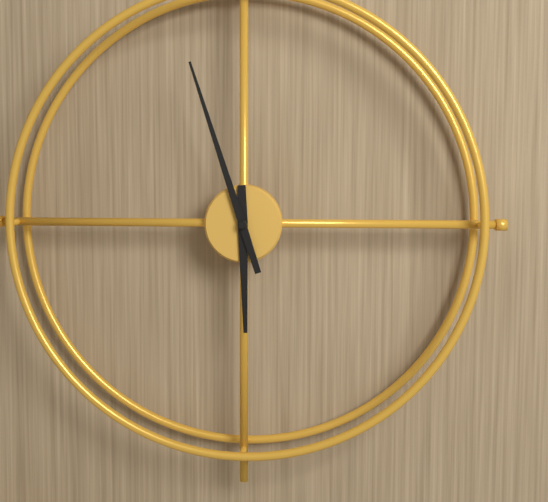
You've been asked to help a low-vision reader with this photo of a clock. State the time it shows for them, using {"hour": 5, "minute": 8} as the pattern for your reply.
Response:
{"hour": 5, "minute": 57}
